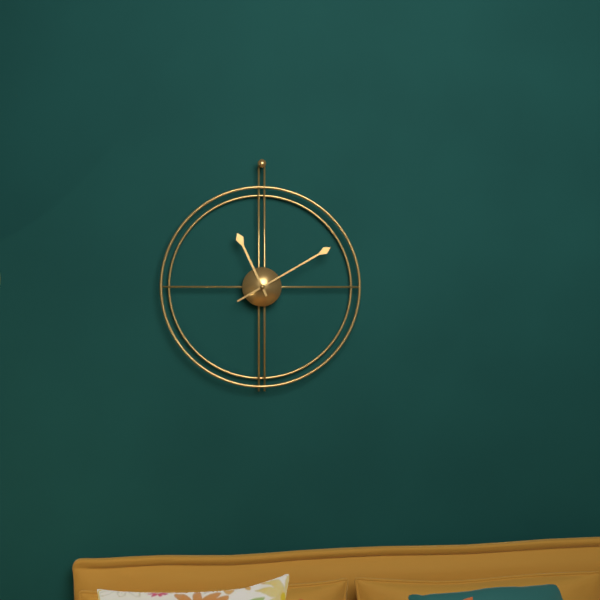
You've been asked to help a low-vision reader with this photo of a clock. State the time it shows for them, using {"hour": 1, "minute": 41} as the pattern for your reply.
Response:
{"hour": 11, "minute": 10}
